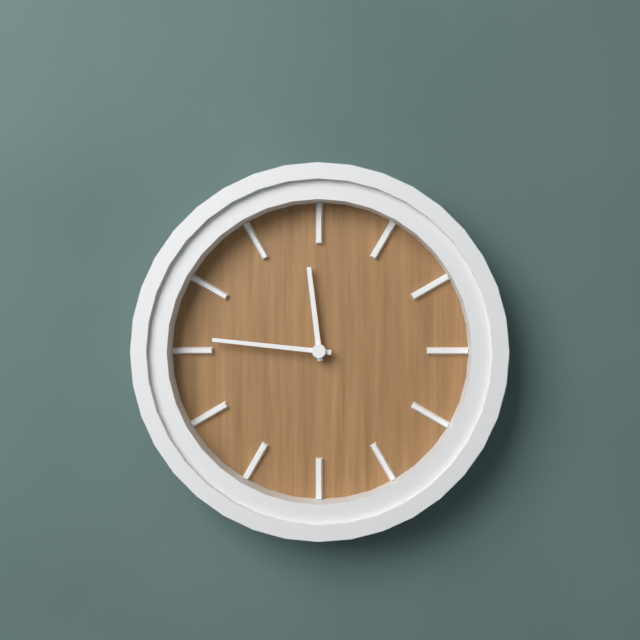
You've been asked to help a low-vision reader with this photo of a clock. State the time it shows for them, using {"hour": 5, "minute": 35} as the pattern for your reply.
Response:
{"hour": 11, "minute": 46}
